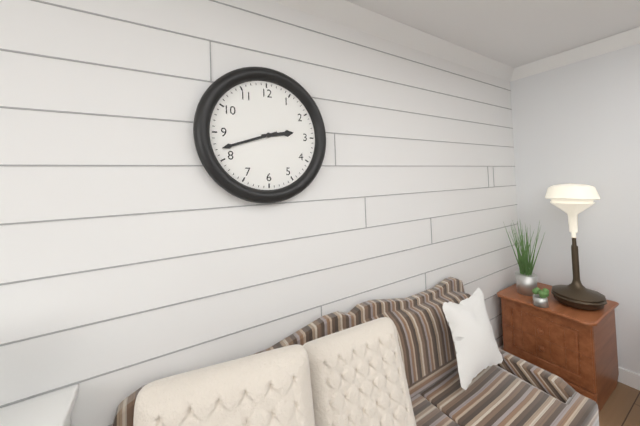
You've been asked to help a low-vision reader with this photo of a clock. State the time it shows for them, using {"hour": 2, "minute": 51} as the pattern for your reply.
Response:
{"hour": 2, "minute": 42}
